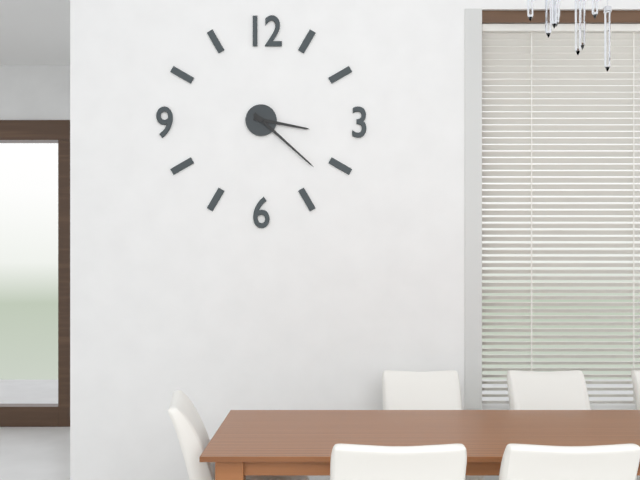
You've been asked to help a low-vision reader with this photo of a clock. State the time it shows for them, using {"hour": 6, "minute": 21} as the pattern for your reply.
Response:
{"hour": 3, "minute": 22}
